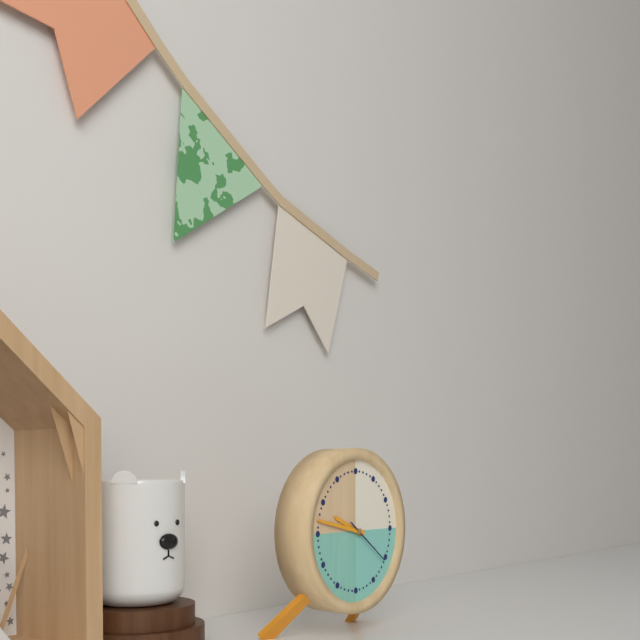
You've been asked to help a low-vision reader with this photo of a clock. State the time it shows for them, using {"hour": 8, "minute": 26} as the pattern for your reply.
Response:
{"hour": 9, "minute": 47}
